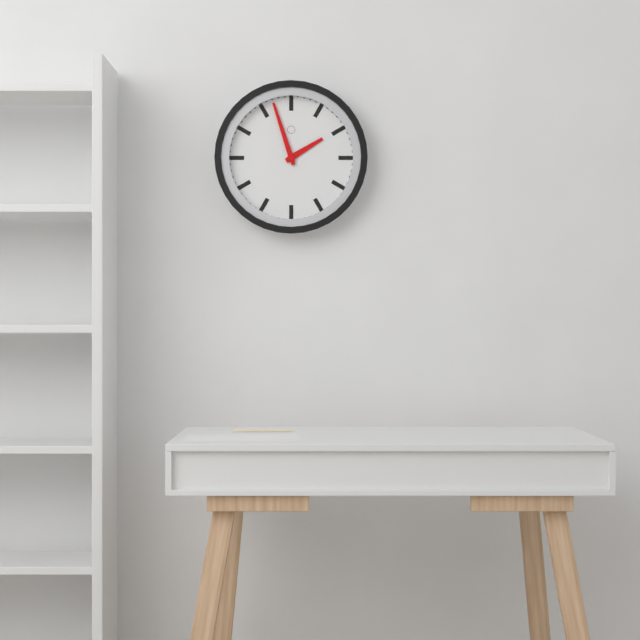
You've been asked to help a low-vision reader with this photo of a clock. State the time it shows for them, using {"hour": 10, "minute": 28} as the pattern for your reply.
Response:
{"hour": 1, "minute": 57}
